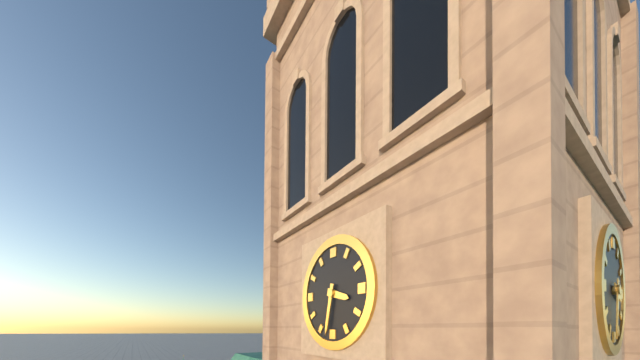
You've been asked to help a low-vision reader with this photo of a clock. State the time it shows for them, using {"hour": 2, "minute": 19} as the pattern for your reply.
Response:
{"hour": 3, "minute": 32}
